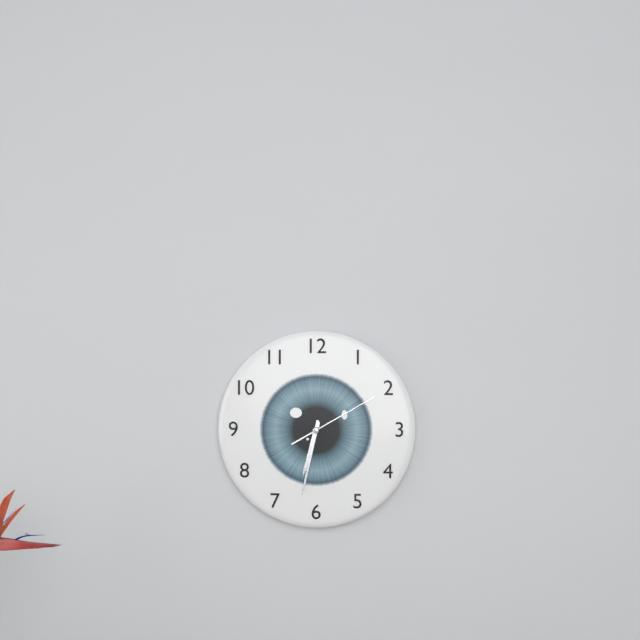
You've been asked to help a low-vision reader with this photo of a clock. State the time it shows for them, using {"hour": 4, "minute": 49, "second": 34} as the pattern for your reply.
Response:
{"hour": 6, "minute": 32, "second": 10}
